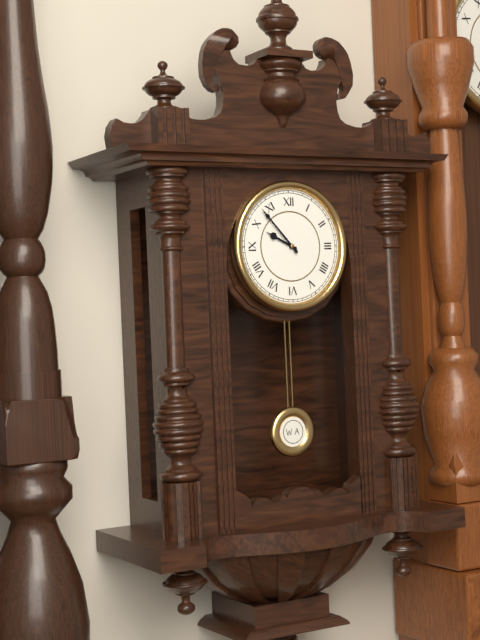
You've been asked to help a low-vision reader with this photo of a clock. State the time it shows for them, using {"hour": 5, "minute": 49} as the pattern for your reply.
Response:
{"hour": 9, "minute": 53}
